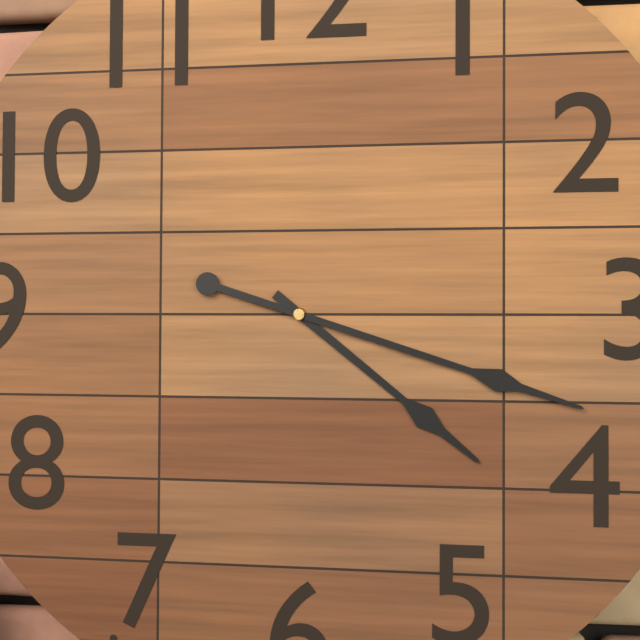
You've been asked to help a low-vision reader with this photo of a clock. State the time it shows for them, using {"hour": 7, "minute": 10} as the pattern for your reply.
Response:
{"hour": 4, "minute": 18}
